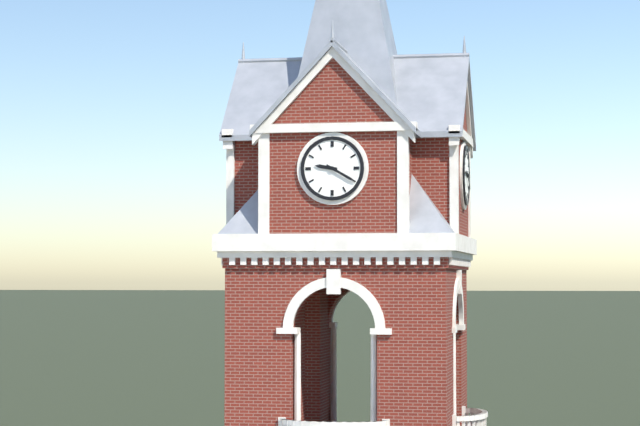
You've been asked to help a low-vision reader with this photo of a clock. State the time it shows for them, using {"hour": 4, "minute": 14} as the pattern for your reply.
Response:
{"hour": 9, "minute": 20}
